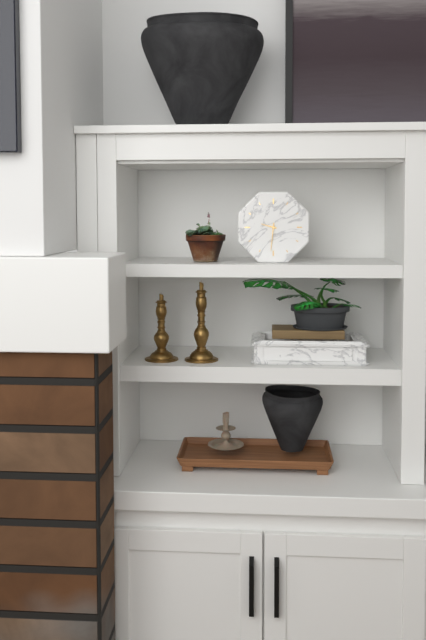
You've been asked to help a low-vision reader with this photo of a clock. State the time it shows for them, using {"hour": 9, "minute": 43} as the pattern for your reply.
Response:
{"hour": 9, "minute": 31}
